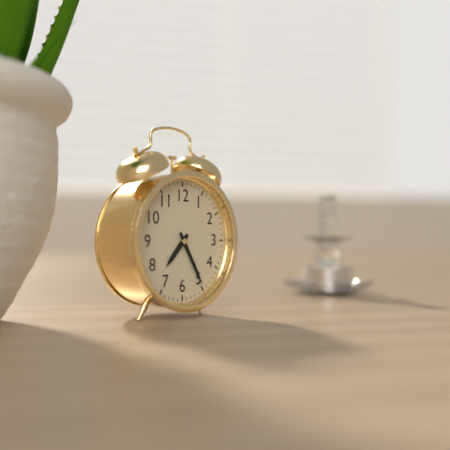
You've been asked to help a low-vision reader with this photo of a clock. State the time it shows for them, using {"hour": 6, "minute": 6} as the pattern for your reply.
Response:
{"hour": 7, "minute": 25}
